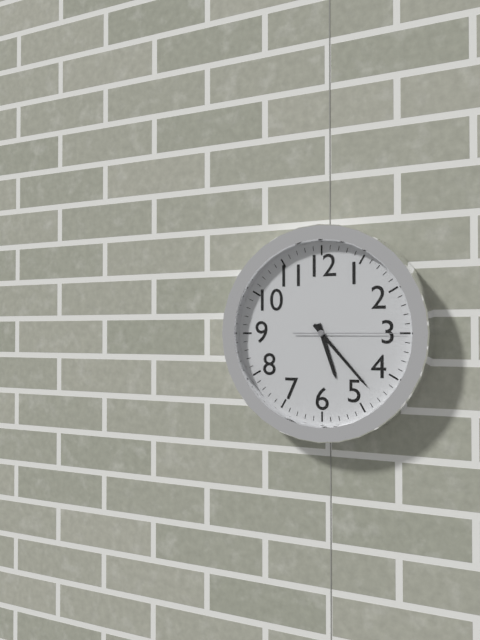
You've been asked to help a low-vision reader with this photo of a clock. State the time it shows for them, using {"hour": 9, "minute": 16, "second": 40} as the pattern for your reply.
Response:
{"hour": 5, "minute": 23, "second": 15}
